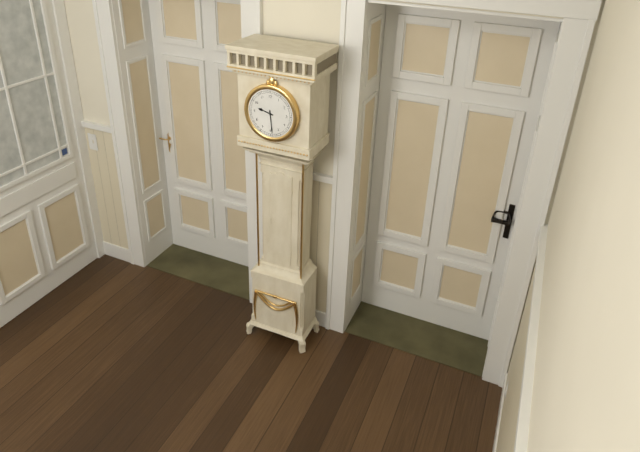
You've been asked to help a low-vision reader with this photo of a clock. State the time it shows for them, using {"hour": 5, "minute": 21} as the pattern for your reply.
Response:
{"hour": 9, "minute": 29}
